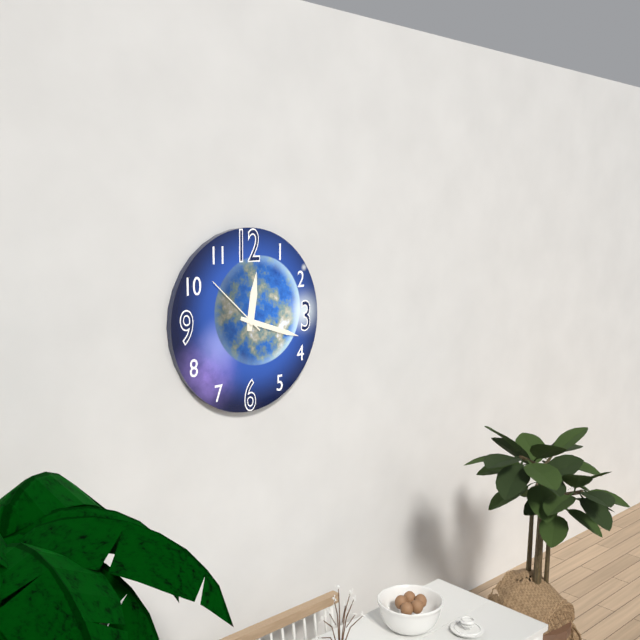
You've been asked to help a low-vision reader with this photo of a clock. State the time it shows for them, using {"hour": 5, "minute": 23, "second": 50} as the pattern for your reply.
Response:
{"hour": 12, "minute": 18, "second": 52}
